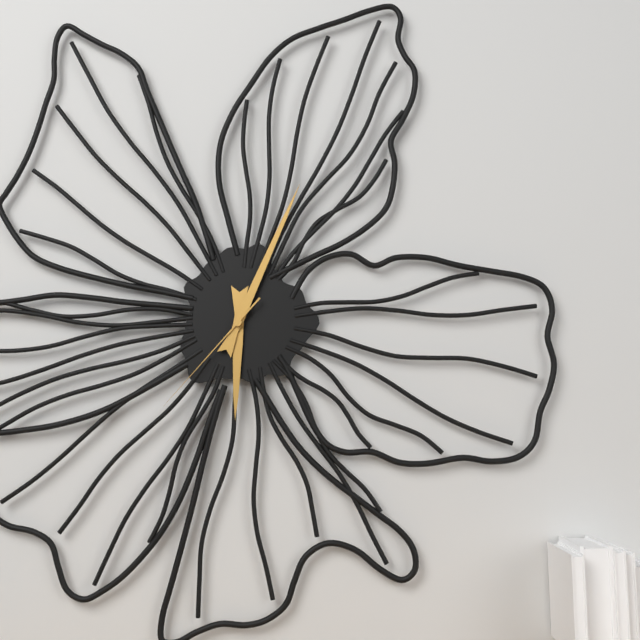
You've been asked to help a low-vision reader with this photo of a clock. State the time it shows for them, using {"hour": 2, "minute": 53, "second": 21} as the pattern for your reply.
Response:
{"hour": 6, "minute": 4, "second": 37}
